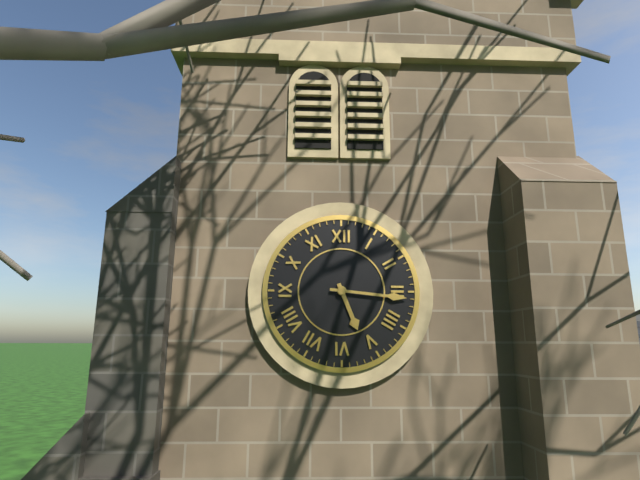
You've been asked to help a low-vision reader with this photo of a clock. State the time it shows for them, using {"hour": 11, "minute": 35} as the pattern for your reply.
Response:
{"hour": 5, "minute": 16}
